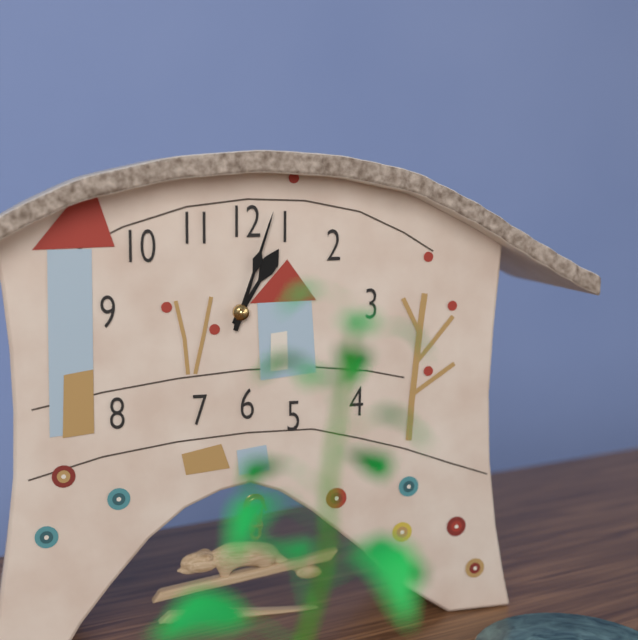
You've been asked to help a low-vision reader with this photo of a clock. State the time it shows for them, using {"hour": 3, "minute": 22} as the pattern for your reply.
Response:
{"hour": 1, "minute": 3}
